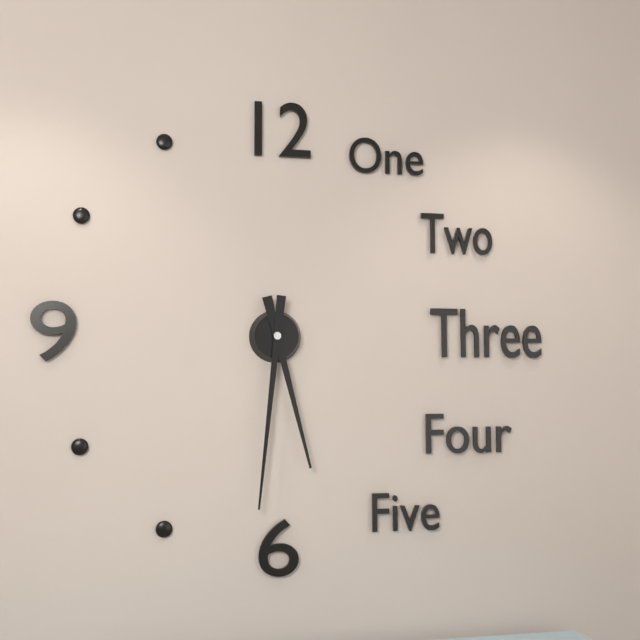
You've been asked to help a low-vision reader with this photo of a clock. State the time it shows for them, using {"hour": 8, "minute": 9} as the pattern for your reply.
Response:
{"hour": 5, "minute": 31}
